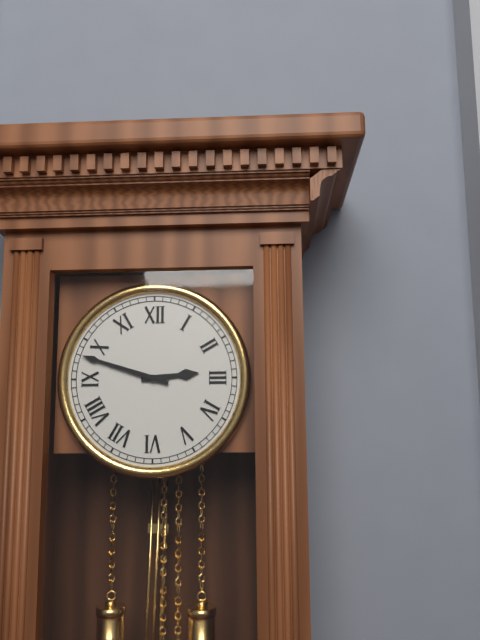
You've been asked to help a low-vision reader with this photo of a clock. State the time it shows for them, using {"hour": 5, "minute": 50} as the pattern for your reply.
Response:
{"hour": 2, "minute": 48}
